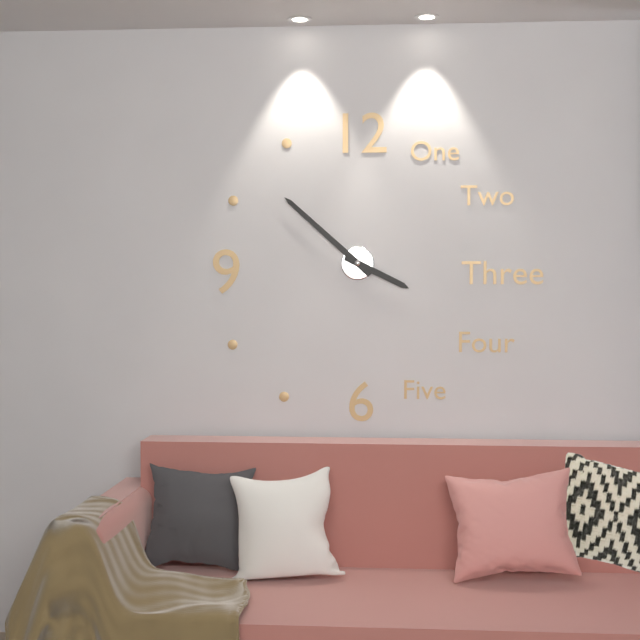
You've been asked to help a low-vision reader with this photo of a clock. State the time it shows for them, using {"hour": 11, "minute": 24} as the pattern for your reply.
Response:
{"hour": 3, "minute": 52}
